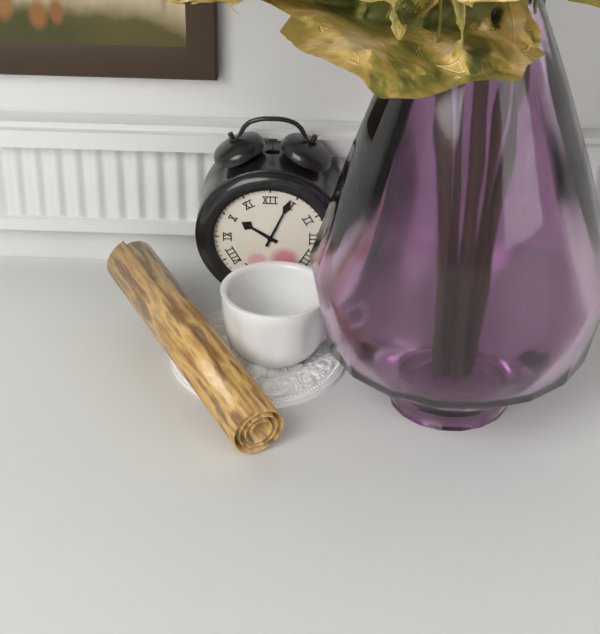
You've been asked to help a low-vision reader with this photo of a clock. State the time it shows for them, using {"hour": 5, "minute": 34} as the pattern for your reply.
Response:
{"hour": 10, "minute": 4}
